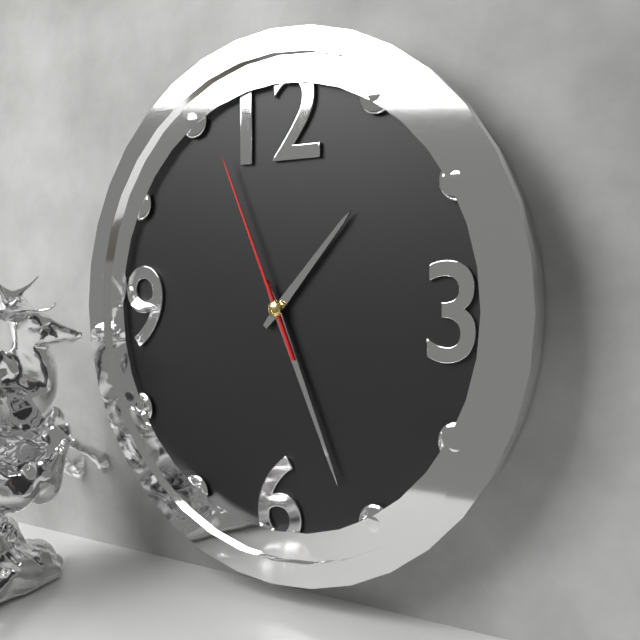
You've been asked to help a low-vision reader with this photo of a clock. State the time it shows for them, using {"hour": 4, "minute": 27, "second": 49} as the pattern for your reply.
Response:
{"hour": 1, "minute": 26, "second": 56}
